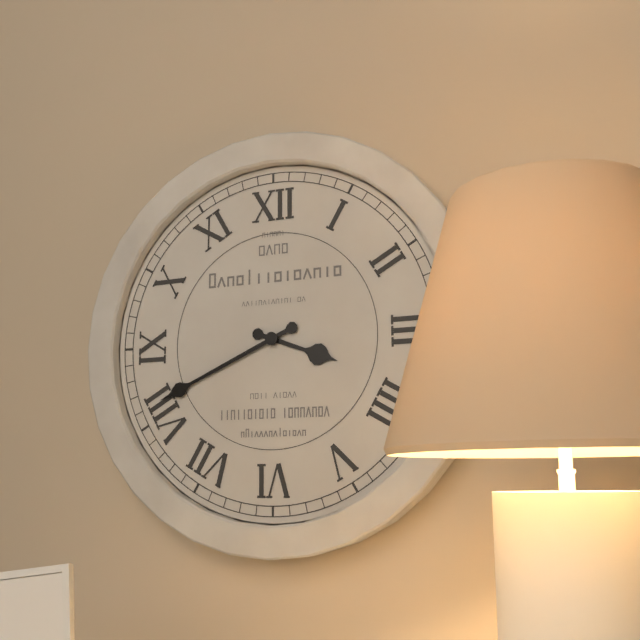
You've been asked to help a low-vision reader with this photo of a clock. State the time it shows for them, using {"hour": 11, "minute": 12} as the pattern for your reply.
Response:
{"hour": 3, "minute": 41}
